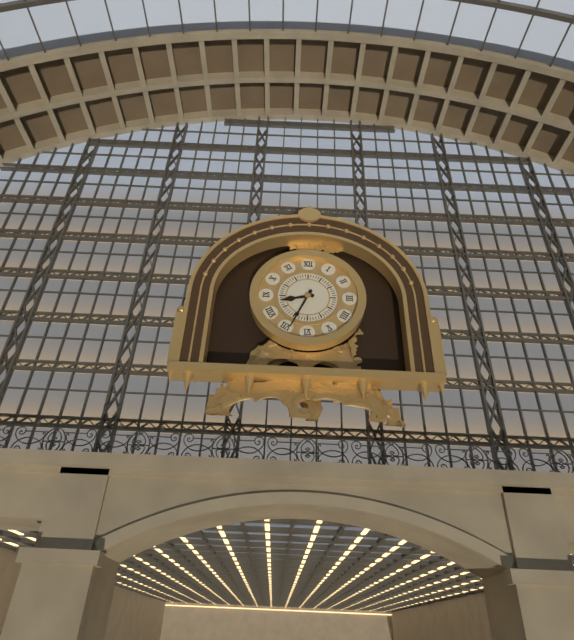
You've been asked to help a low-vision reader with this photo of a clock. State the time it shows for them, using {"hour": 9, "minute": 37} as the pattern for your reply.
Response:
{"hour": 8, "minute": 34}
